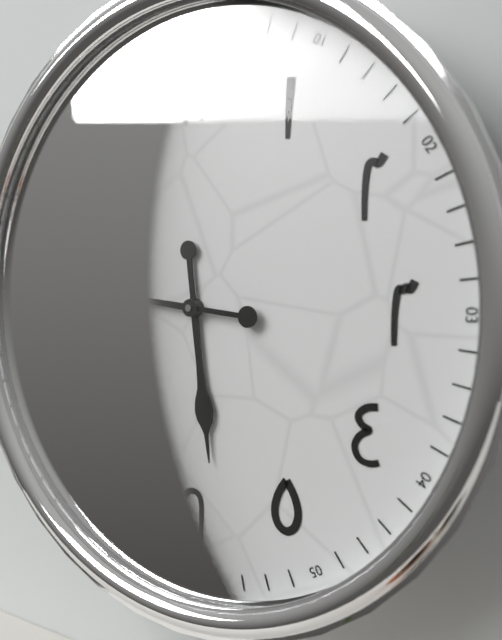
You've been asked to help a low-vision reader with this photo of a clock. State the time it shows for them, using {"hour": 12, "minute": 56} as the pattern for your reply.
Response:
{"hour": 5, "minute": 46}
